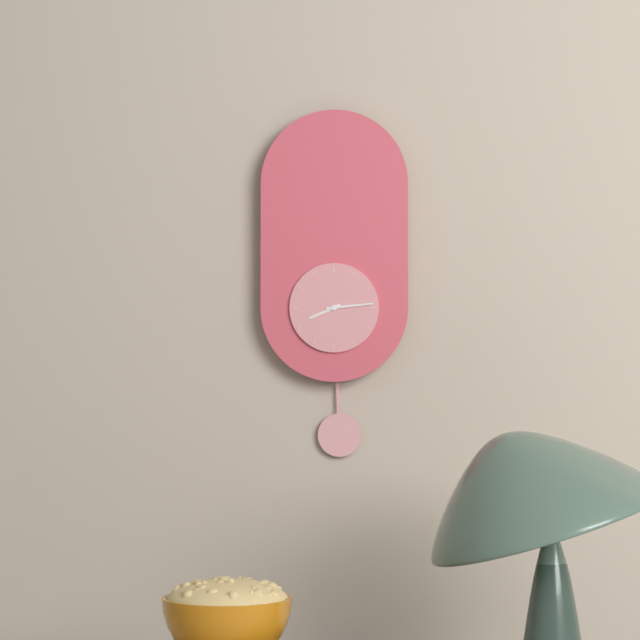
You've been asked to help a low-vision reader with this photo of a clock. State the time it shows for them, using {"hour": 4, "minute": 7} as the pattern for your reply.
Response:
{"hour": 8, "minute": 14}
